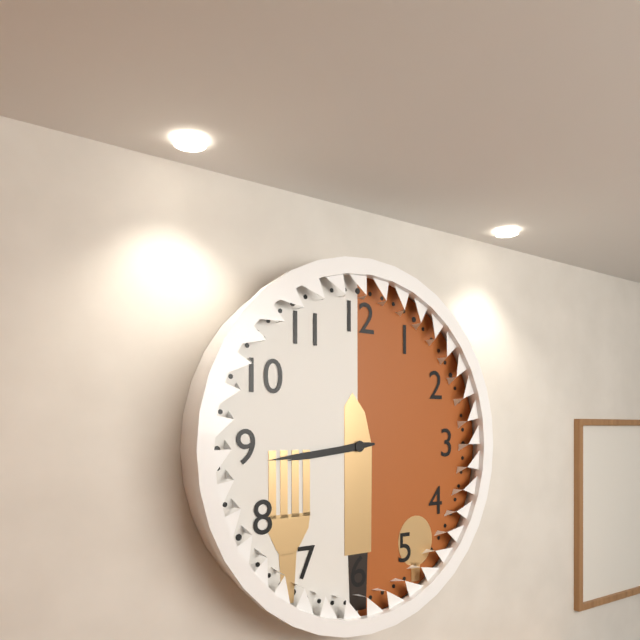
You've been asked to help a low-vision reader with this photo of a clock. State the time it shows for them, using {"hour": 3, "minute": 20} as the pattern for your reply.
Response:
{"hour": 8, "minute": 44}
